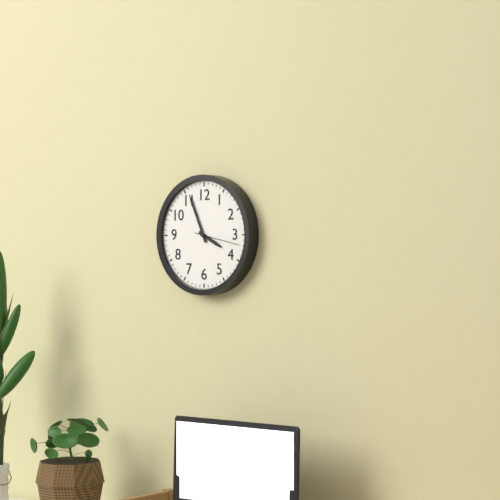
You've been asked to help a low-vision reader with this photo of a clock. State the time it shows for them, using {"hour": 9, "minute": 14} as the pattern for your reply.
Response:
{"hour": 3, "minute": 56}
